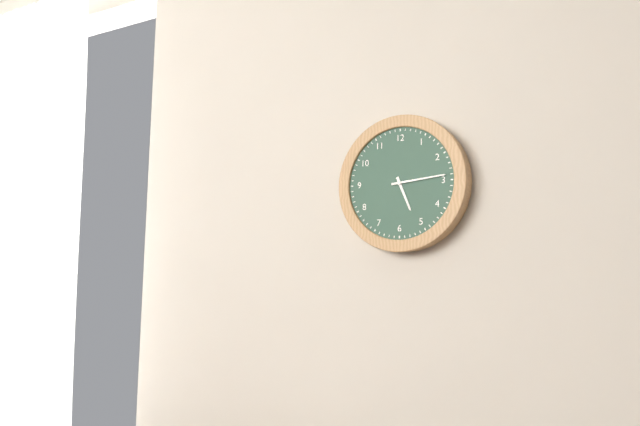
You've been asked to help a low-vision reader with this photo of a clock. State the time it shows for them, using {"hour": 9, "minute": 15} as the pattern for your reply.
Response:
{"hour": 5, "minute": 14}
